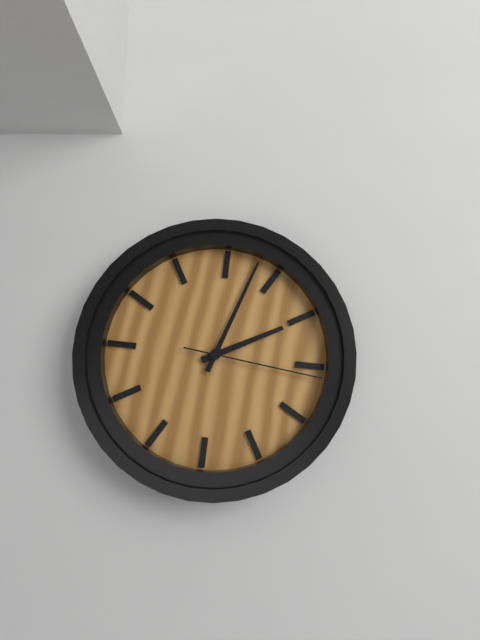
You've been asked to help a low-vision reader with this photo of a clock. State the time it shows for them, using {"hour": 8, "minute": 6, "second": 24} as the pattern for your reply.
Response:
{"hour": 2, "minute": 3, "second": 16}
